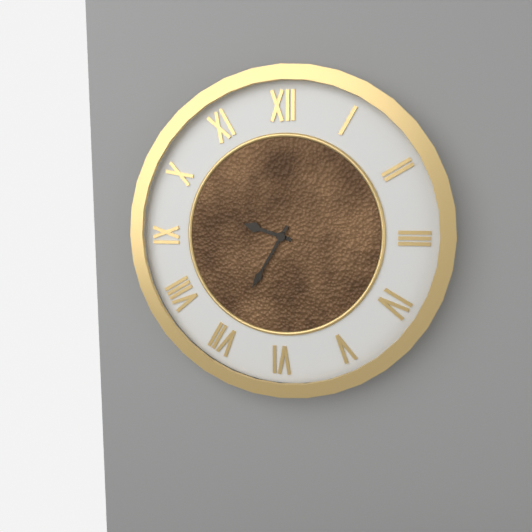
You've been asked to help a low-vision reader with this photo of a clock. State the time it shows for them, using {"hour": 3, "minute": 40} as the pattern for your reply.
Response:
{"hour": 9, "minute": 35}
